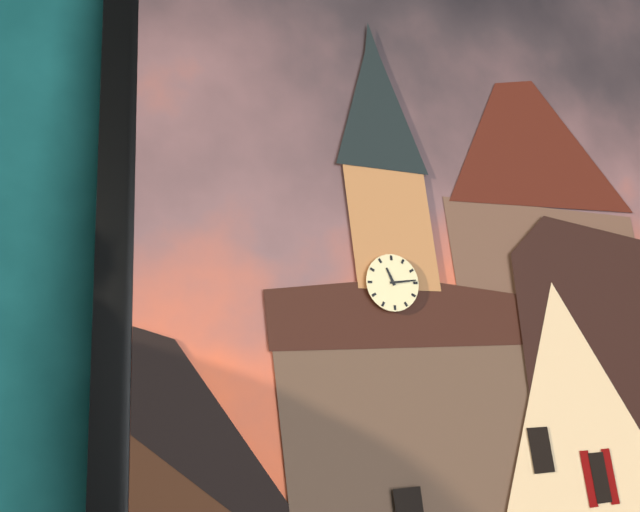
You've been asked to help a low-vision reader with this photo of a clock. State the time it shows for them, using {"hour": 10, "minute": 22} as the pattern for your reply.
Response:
{"hour": 11, "minute": 14}
